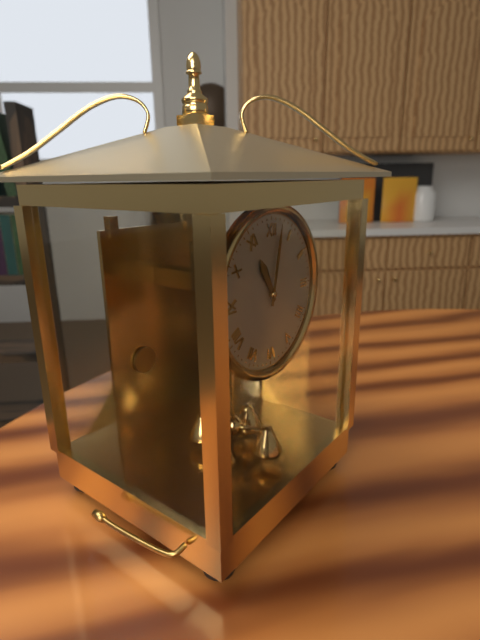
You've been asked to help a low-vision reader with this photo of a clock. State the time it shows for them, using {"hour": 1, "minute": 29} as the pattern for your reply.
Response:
{"hour": 11, "minute": 2}
